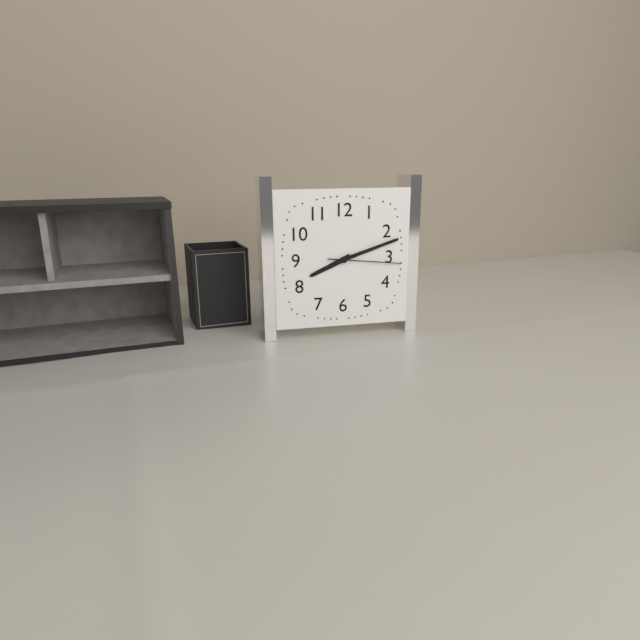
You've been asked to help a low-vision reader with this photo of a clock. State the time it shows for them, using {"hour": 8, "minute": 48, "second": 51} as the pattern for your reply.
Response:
{"hour": 8, "minute": 12, "second": 16}
